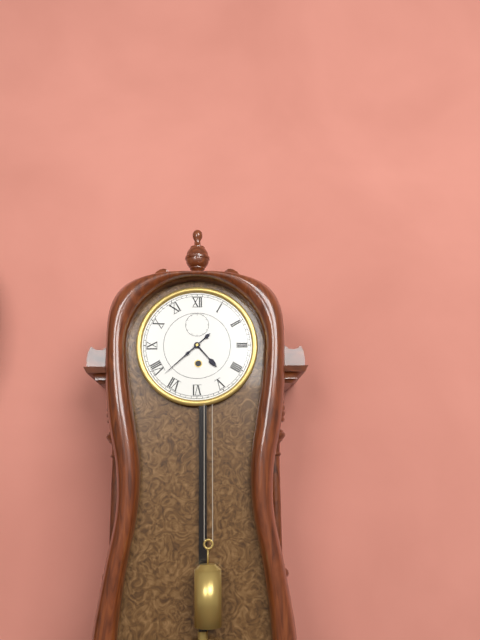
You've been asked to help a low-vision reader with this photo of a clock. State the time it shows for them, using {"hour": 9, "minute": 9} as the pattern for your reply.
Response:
{"hour": 4, "minute": 38}
